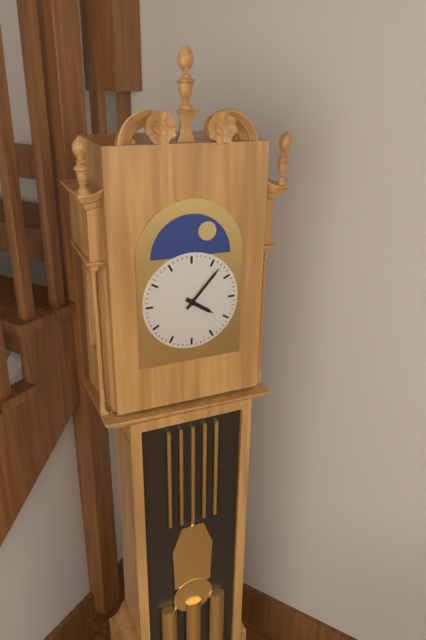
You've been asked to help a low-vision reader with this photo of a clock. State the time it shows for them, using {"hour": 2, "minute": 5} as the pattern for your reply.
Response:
{"hour": 4, "minute": 7}
